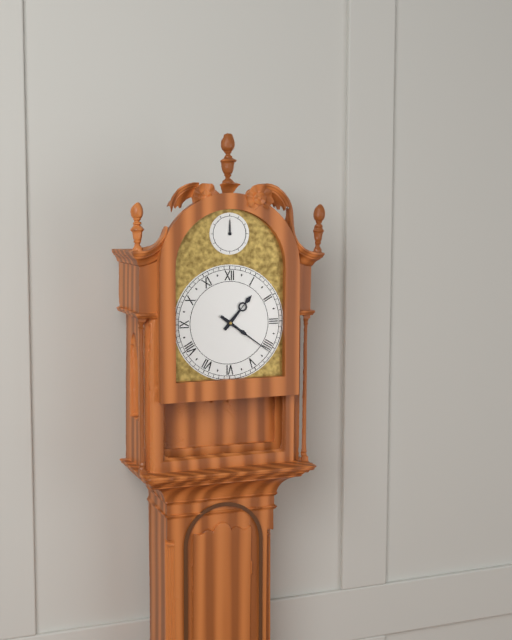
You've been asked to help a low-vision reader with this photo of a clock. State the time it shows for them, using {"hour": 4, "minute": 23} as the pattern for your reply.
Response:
{"hour": 1, "minute": 21}
